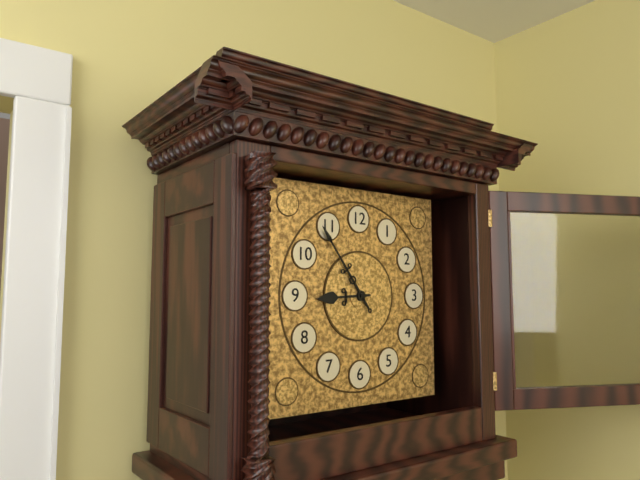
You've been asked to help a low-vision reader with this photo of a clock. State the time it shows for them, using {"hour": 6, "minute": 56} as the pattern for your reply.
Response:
{"hour": 8, "minute": 54}
